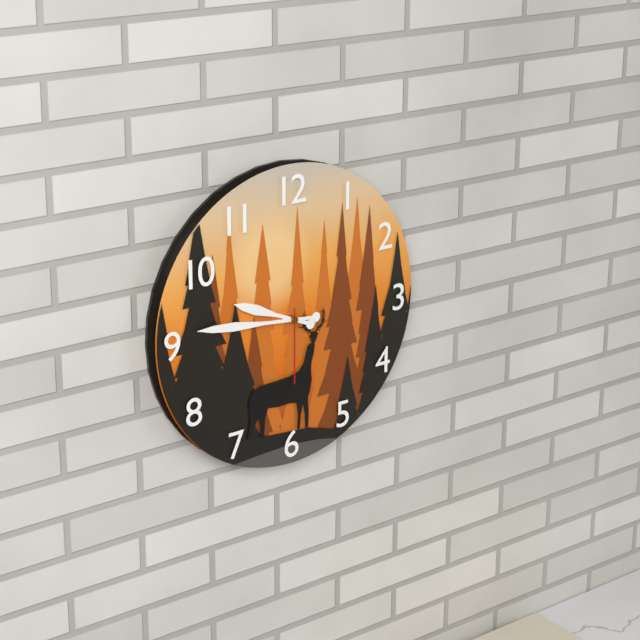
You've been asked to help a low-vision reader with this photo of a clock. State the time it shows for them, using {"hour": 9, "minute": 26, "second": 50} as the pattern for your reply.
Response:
{"hour": 9, "minute": 46, "second": 30}
